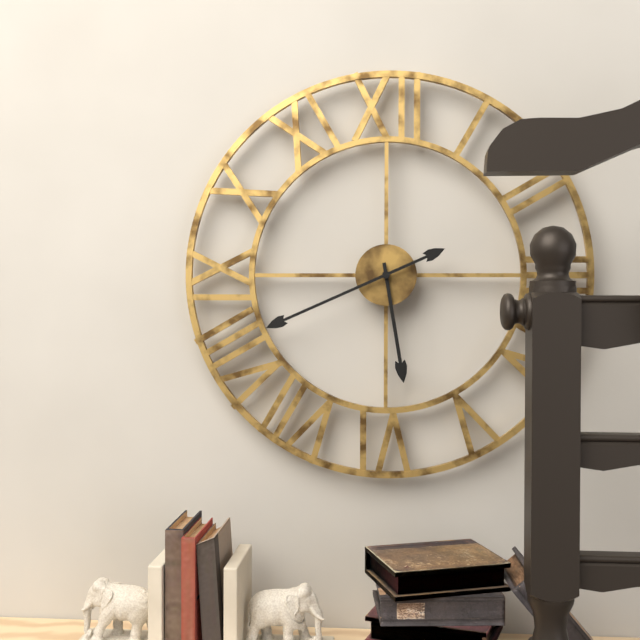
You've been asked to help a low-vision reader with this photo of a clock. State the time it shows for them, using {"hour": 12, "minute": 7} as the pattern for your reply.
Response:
{"hour": 5, "minute": 41}
